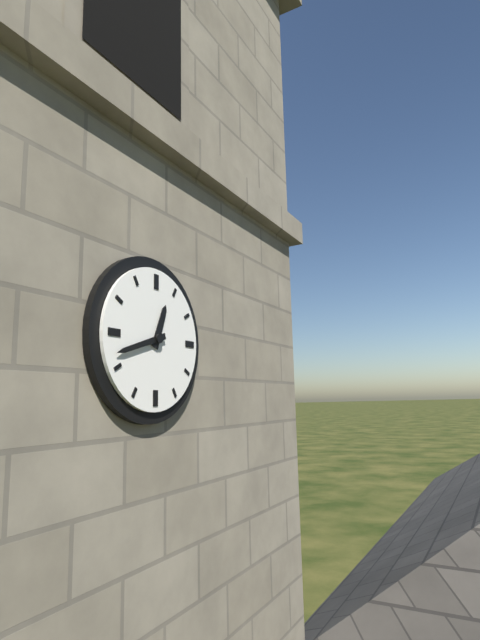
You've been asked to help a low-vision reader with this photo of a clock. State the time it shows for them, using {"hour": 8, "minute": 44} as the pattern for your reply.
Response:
{"hour": 12, "minute": 42}
